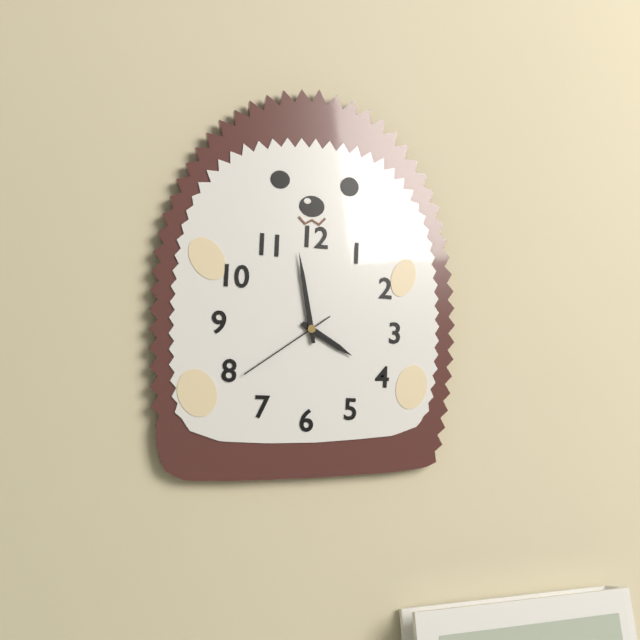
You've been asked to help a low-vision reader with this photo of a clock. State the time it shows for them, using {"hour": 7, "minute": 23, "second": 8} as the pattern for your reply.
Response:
{"hour": 3, "minute": 58, "second": 39}
